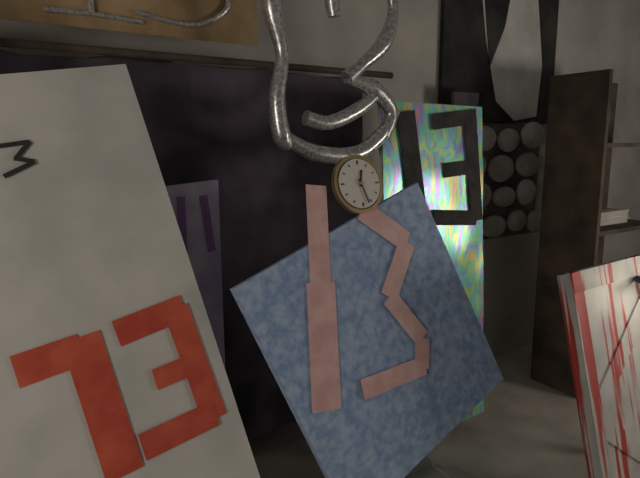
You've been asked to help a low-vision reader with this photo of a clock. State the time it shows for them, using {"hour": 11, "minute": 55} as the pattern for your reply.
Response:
{"hour": 12, "minute": 27}
